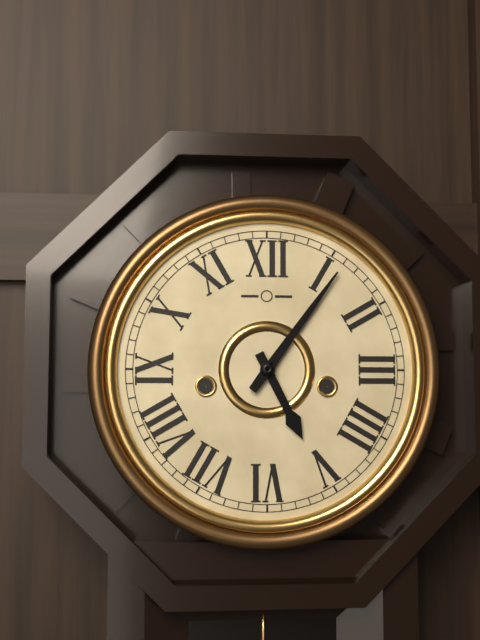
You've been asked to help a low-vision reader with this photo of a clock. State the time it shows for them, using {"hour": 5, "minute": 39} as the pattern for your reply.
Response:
{"hour": 5, "minute": 6}
